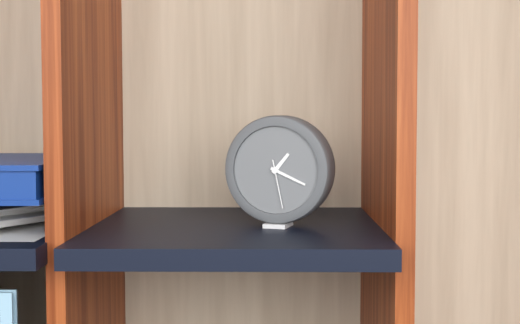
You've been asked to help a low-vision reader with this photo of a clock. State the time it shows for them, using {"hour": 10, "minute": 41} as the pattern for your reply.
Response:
{"hour": 1, "minute": 19}
